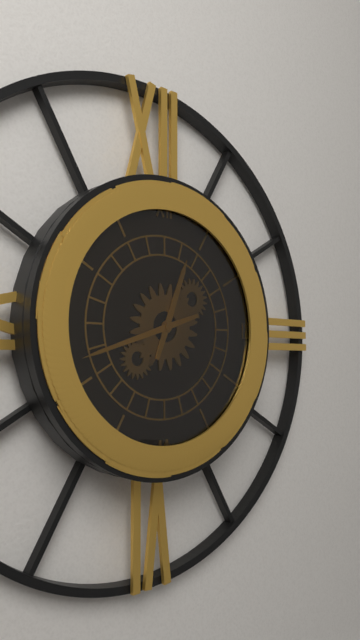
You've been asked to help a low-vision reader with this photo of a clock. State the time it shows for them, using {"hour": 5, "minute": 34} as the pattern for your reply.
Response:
{"hour": 12, "minute": 42}
